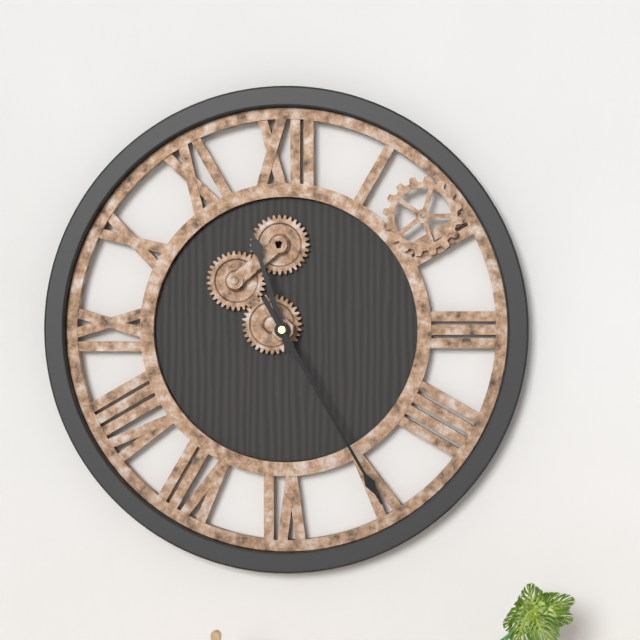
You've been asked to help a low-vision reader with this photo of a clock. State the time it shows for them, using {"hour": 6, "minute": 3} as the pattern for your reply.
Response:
{"hour": 11, "minute": 25}
